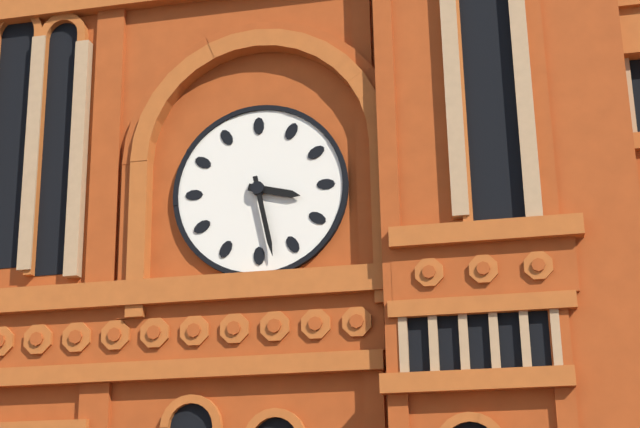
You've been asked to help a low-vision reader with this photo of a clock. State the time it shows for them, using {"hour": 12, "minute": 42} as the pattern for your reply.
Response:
{"hour": 3, "minute": 28}
